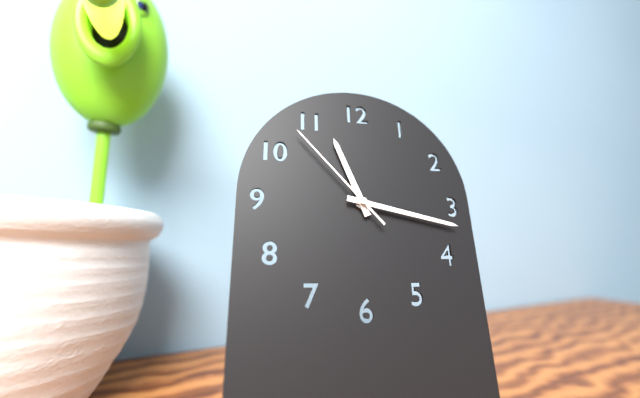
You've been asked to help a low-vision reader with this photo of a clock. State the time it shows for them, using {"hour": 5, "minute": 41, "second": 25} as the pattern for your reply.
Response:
{"hour": 11, "minute": 17, "second": 53}
